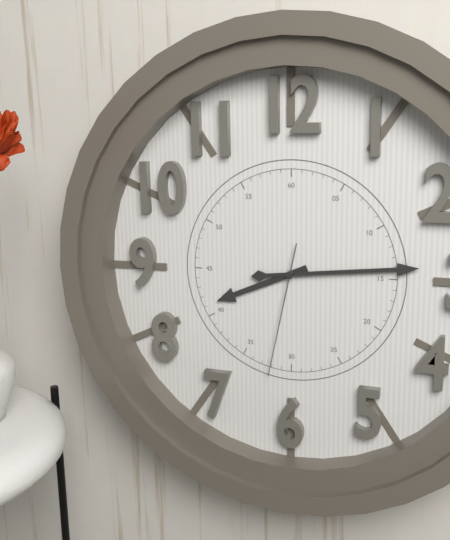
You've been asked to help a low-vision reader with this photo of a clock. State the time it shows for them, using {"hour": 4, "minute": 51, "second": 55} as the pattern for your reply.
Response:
{"hour": 8, "minute": 14, "second": 32}
